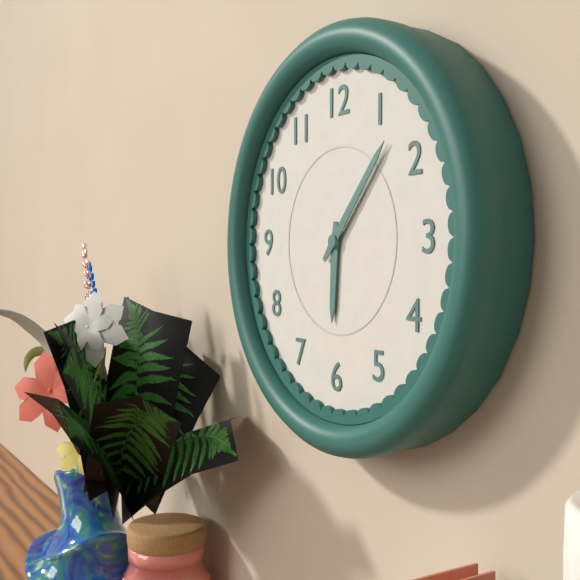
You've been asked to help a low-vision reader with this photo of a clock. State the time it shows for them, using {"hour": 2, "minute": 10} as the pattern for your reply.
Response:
{"hour": 6, "minute": 7}
